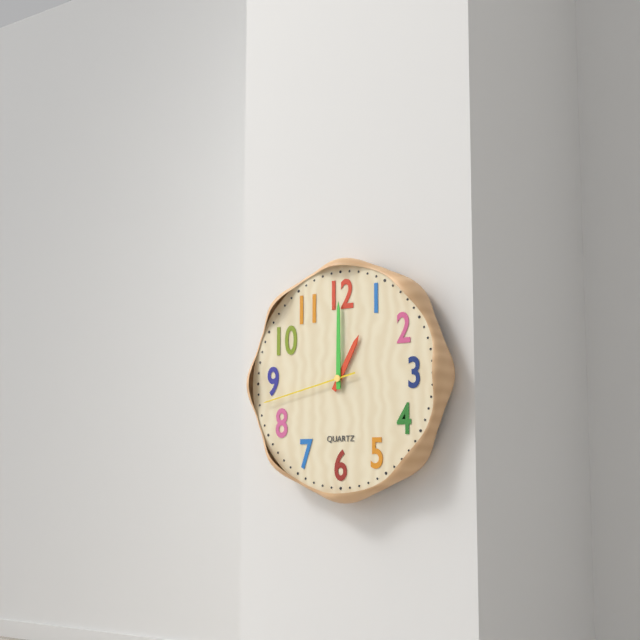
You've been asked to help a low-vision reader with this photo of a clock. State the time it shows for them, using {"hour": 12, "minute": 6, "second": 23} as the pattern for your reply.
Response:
{"hour": 1, "minute": 0, "second": 43}
